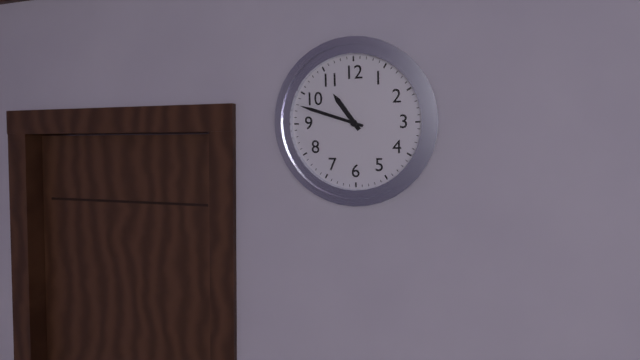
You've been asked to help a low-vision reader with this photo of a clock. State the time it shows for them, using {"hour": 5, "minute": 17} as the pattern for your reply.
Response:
{"hour": 10, "minute": 48}
